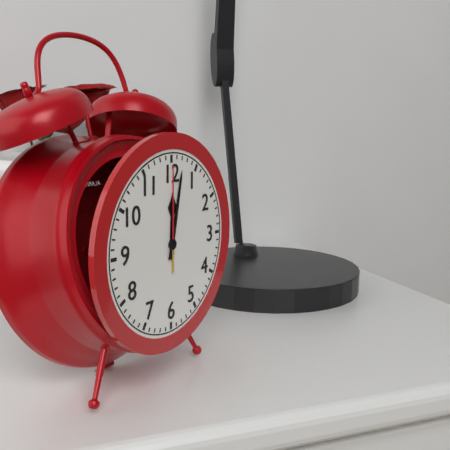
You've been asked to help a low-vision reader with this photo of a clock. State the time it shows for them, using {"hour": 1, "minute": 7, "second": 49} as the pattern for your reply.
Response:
{"hour": 12, "minute": 2, "second": 0}
